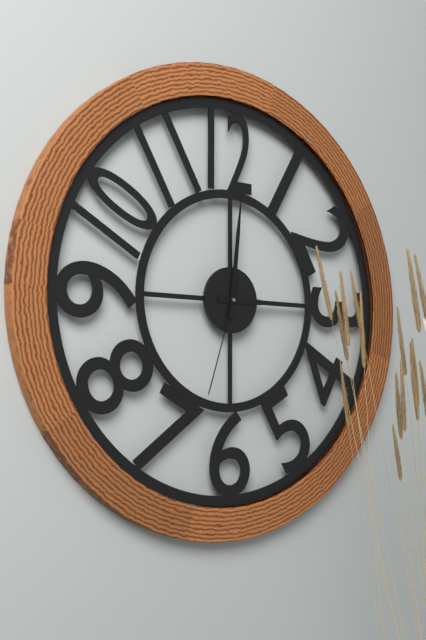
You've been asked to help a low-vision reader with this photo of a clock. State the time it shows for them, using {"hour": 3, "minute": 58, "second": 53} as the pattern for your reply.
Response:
{"hour": 3, "minute": 1, "second": 33}
